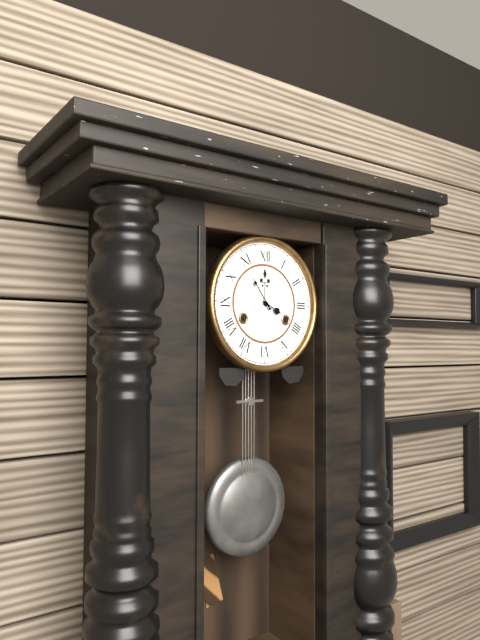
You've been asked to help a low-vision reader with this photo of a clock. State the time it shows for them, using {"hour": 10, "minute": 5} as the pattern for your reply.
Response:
{"hour": 3, "minute": 54}
